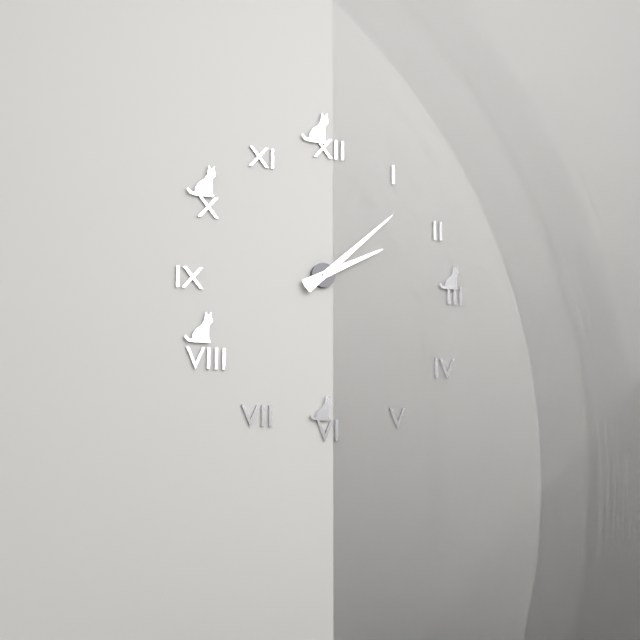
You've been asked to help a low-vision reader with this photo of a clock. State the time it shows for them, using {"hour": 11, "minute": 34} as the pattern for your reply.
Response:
{"hour": 2, "minute": 8}
